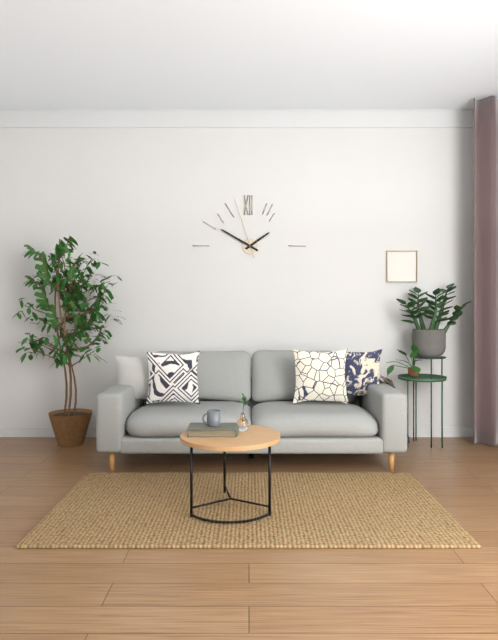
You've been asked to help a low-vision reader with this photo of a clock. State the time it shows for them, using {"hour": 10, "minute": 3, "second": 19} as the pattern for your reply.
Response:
{"hour": 1, "minute": 50, "second": 57}
